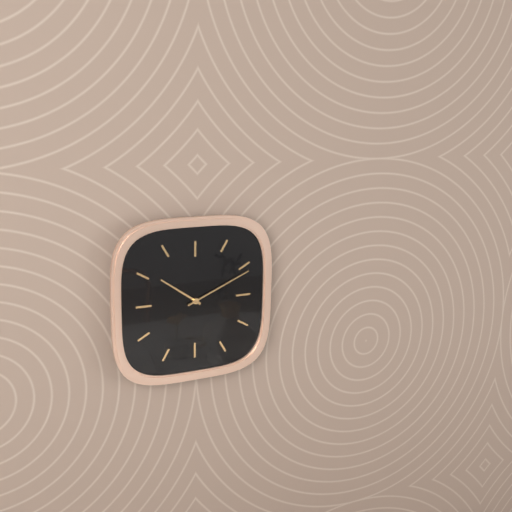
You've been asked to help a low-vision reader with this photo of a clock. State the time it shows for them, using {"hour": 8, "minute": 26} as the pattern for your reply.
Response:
{"hour": 10, "minute": 11}
